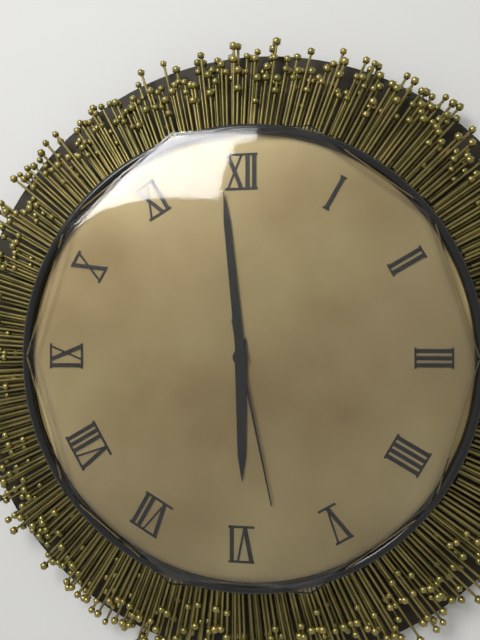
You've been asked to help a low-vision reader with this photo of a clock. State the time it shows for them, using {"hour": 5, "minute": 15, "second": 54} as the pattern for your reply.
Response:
{"hour": 5, "minute": 59, "second": 28}
